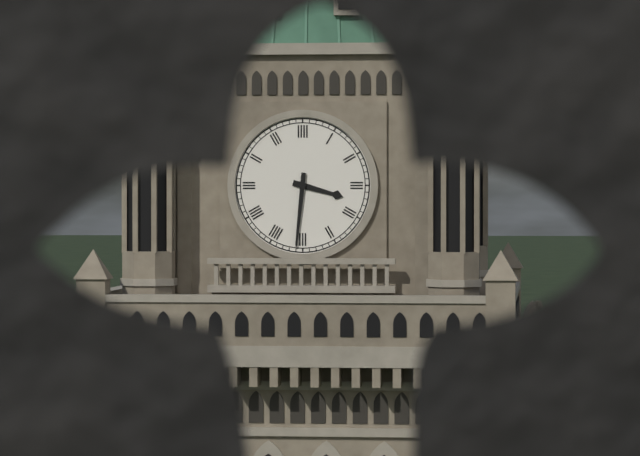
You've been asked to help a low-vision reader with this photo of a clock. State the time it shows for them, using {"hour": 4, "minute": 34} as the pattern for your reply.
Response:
{"hour": 3, "minute": 31}
